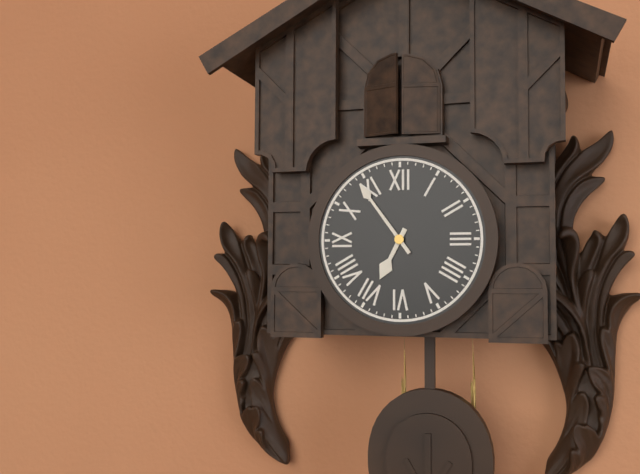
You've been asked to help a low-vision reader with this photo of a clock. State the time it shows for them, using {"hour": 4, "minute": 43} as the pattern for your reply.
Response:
{"hour": 6, "minute": 54}
